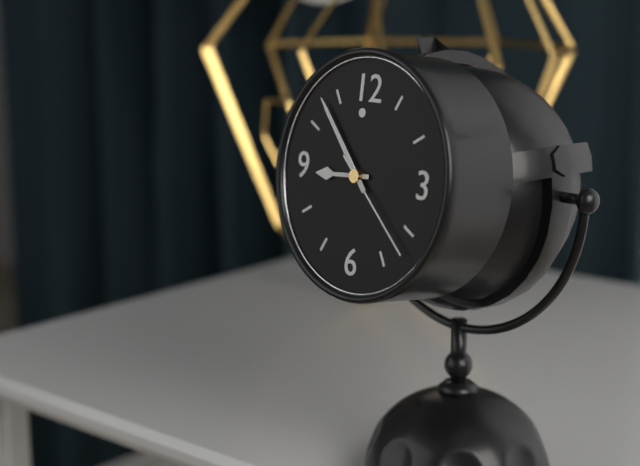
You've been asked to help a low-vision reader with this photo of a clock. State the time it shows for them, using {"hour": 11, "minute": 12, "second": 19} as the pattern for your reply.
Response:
{"hour": 8, "minute": 53, "second": 22}
